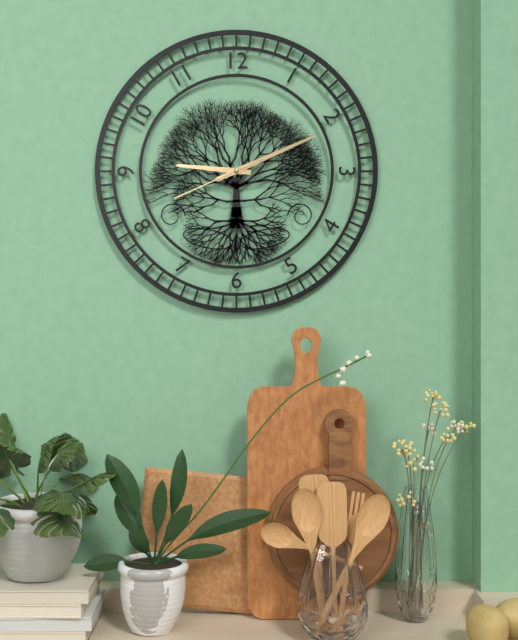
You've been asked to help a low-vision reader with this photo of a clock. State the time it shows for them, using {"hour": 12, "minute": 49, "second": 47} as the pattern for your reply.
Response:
{"hour": 9, "minute": 11, "second": 41}
